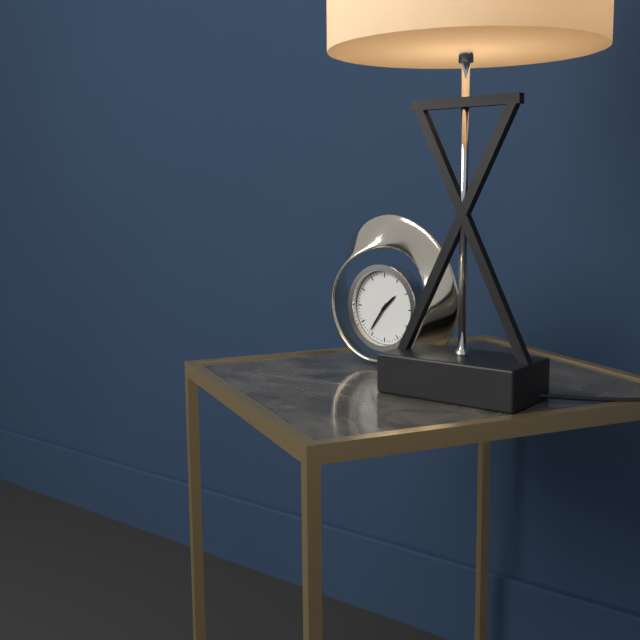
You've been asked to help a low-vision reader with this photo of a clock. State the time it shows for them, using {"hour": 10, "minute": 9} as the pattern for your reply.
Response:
{"hour": 1, "minute": 36}
